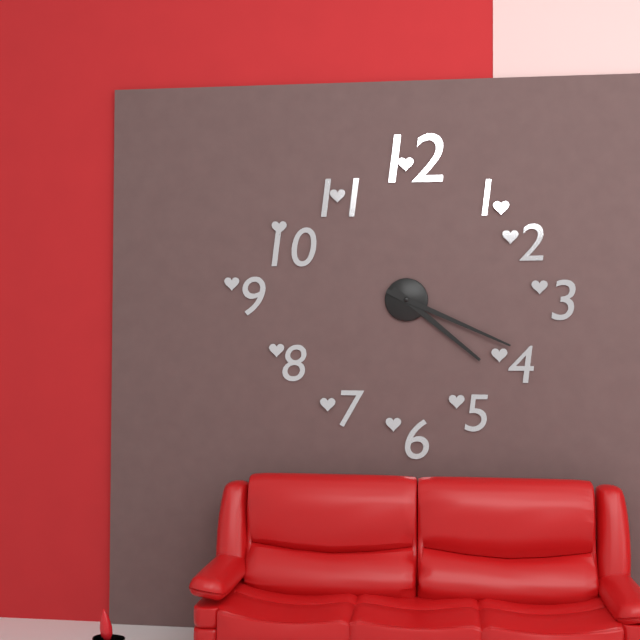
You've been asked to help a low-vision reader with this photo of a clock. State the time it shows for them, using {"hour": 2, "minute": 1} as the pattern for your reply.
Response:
{"hour": 4, "minute": 19}
